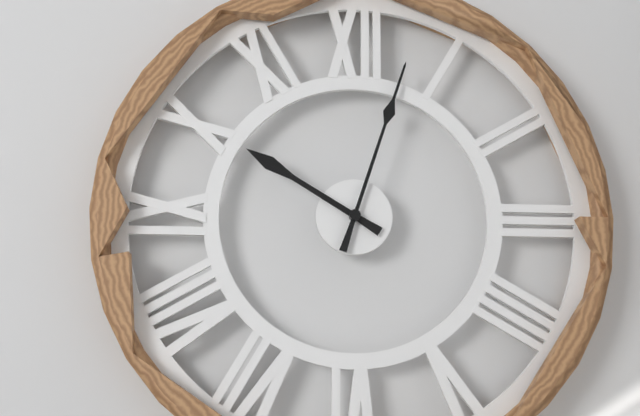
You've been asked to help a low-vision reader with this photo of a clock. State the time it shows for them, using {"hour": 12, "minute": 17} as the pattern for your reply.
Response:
{"hour": 10, "minute": 3}
